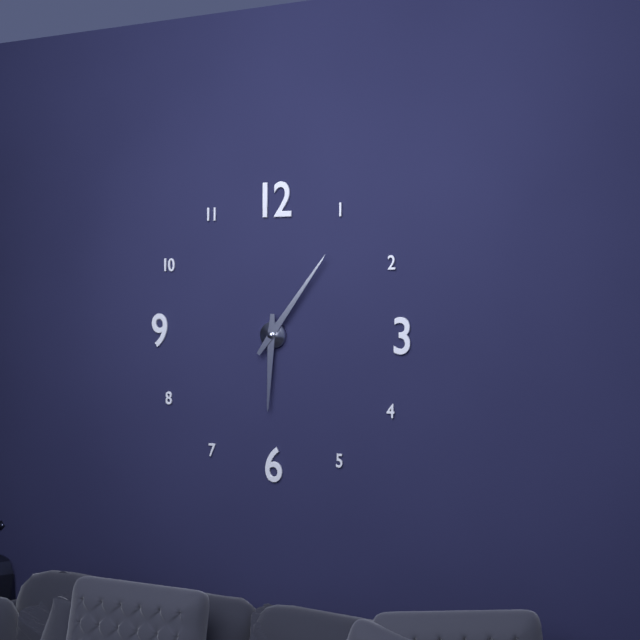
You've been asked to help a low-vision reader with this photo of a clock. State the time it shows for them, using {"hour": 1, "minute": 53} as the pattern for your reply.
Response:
{"hour": 6, "minute": 6}
